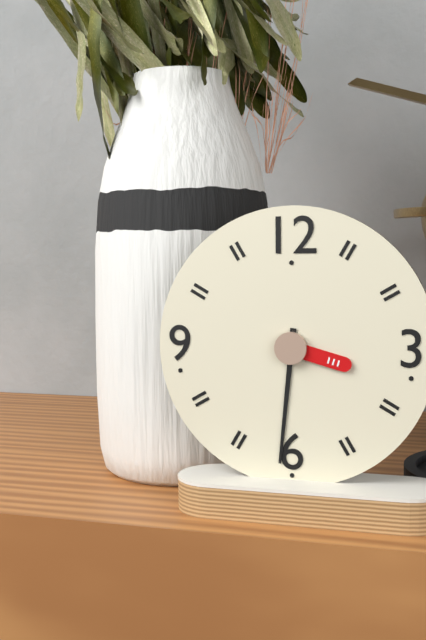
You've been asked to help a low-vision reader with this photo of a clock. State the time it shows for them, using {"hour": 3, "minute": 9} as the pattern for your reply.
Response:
{"hour": 3, "minute": 31}
